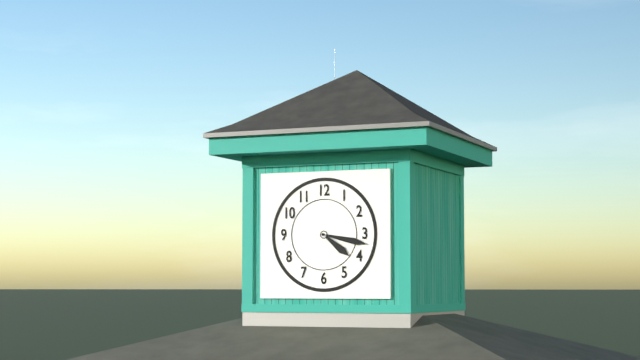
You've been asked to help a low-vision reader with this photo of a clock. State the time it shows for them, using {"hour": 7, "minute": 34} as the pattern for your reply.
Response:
{"hour": 4, "minute": 17}
